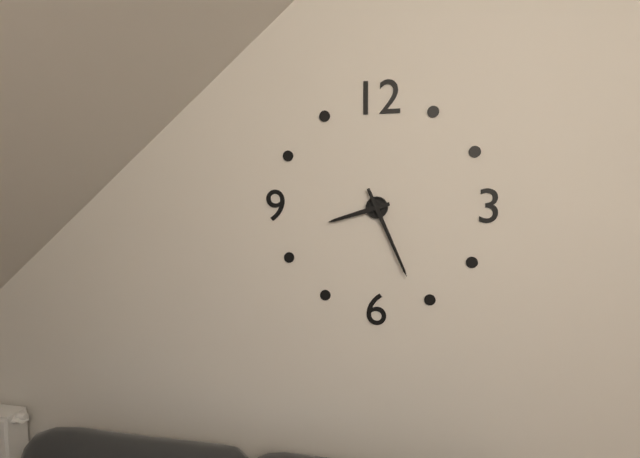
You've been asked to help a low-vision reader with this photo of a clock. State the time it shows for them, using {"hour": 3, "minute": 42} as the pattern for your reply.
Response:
{"hour": 8, "minute": 26}
